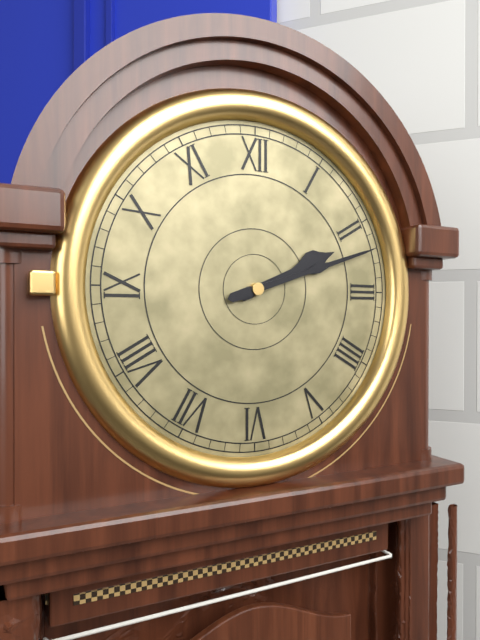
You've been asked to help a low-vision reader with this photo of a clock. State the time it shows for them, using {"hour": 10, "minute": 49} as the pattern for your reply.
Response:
{"hour": 2, "minute": 12}
